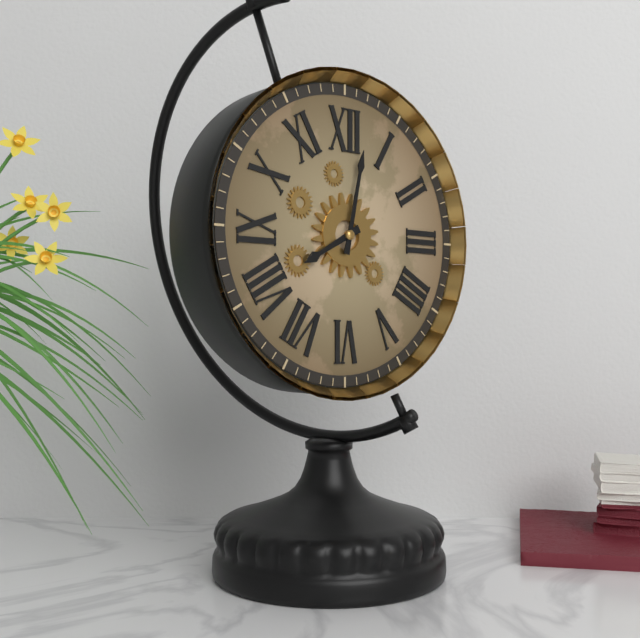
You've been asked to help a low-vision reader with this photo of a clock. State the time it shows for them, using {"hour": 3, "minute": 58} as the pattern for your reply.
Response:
{"hour": 8, "minute": 2}
